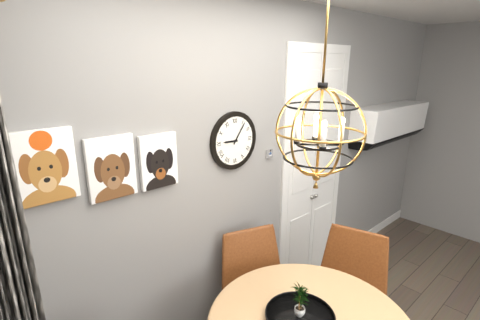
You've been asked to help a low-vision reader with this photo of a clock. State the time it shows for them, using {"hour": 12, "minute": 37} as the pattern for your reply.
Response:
{"hour": 9, "minute": 6}
